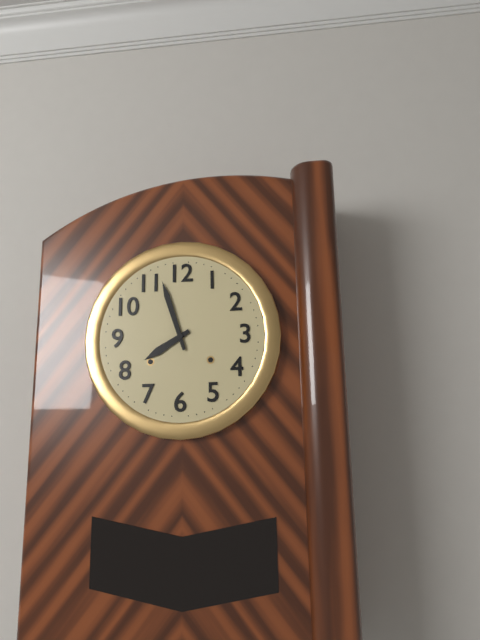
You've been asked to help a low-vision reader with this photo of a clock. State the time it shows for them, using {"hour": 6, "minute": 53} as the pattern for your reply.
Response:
{"hour": 7, "minute": 57}
